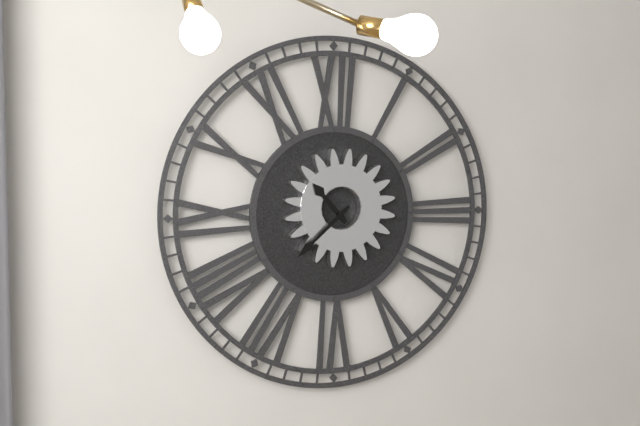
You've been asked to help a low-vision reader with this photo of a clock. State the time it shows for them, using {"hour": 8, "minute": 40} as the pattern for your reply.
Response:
{"hour": 10, "minute": 38}
